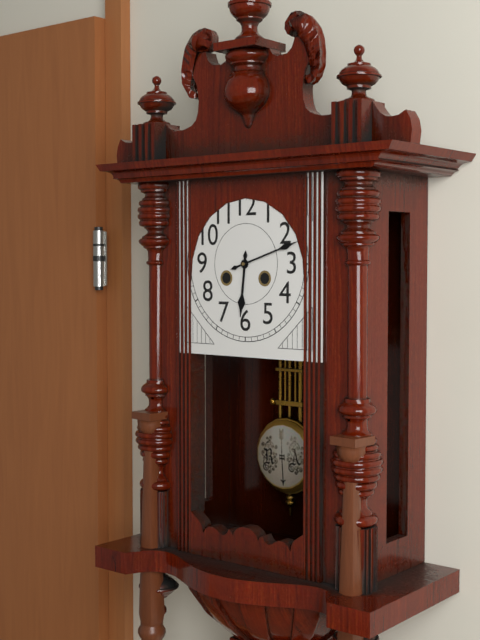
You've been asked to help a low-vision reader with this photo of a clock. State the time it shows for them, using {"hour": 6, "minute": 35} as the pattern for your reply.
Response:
{"hour": 6, "minute": 12}
